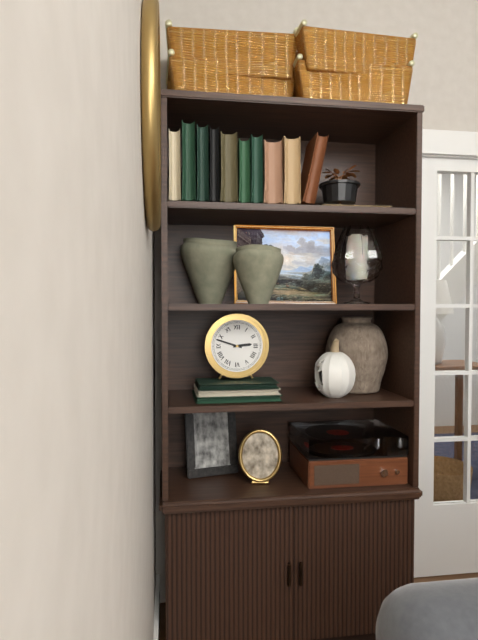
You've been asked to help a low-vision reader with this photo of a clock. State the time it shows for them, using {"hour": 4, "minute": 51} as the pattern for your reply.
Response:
{"hour": 2, "minute": 48}
